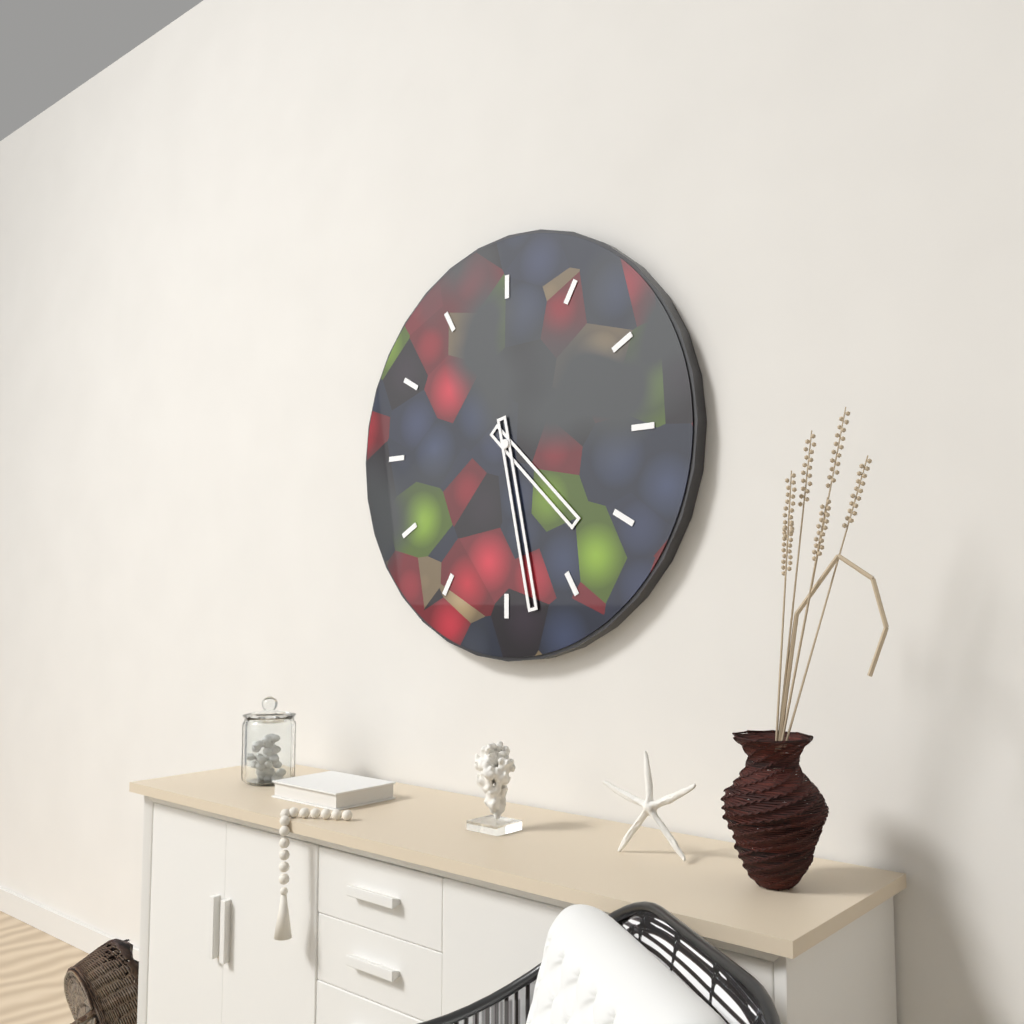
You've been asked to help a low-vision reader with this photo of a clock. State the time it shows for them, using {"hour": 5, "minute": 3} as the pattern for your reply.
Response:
{"hour": 4, "minute": 28}
